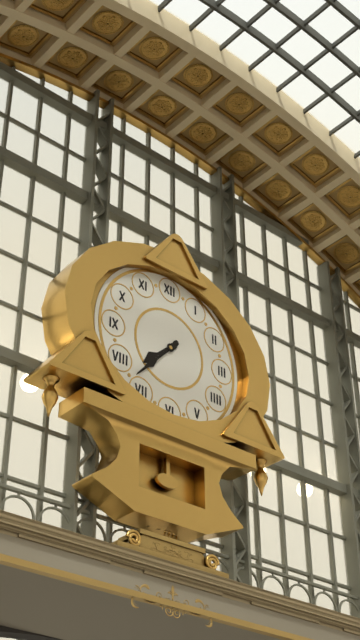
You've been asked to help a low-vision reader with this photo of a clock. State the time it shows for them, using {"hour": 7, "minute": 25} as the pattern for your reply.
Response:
{"hour": 7, "minute": 37}
